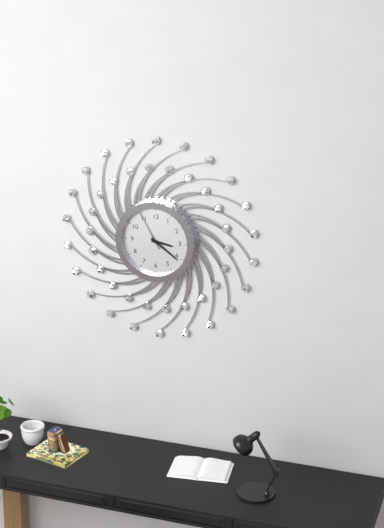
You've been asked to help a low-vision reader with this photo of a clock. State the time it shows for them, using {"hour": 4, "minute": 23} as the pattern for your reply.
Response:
{"hour": 3, "minute": 21}
